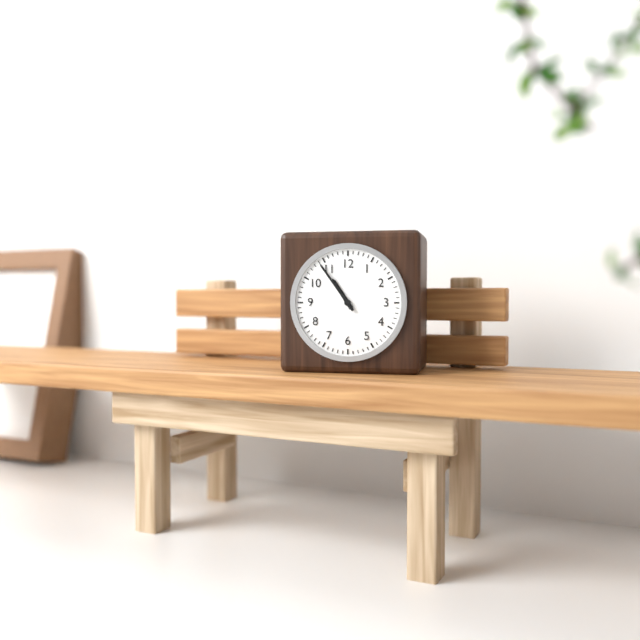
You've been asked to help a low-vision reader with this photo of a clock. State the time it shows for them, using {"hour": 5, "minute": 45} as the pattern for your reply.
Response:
{"hour": 10, "minute": 54}
